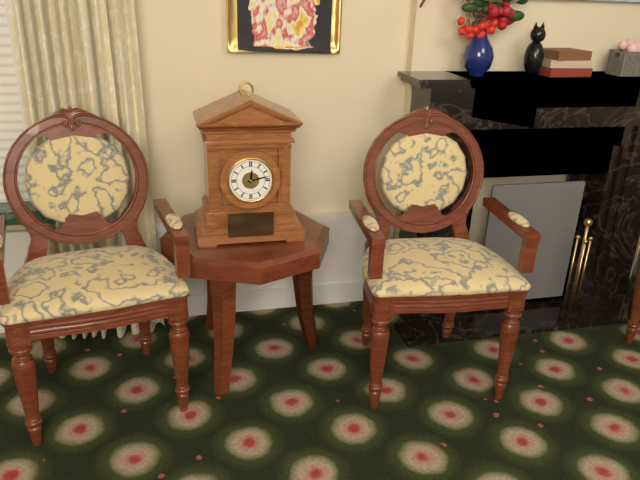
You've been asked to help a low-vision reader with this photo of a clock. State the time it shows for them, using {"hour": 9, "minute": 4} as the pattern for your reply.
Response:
{"hour": 12, "minute": 13}
